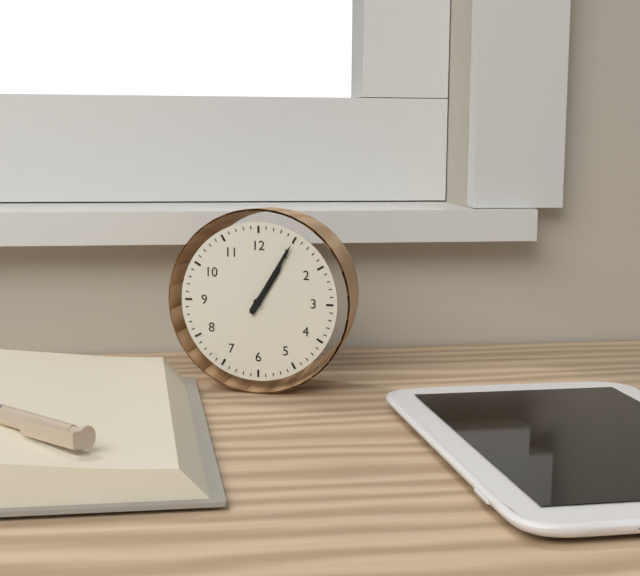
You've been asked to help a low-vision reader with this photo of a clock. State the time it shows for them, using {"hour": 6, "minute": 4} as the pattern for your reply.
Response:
{"hour": 1, "minute": 5}
